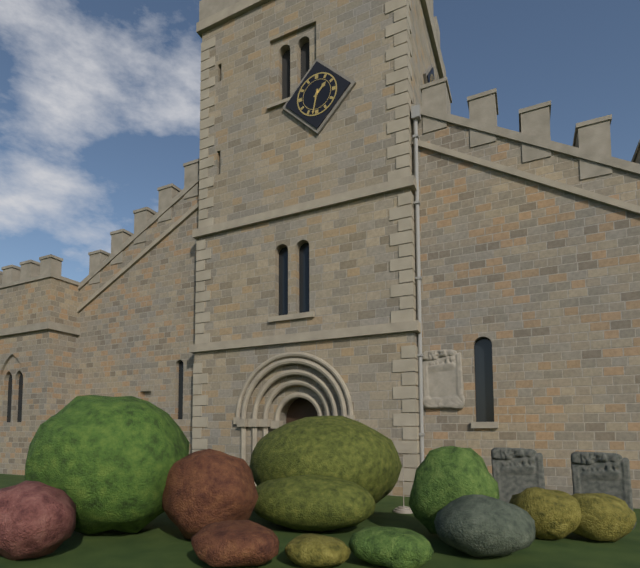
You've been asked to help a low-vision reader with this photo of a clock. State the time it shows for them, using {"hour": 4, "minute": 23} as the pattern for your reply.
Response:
{"hour": 1, "minute": 32}
